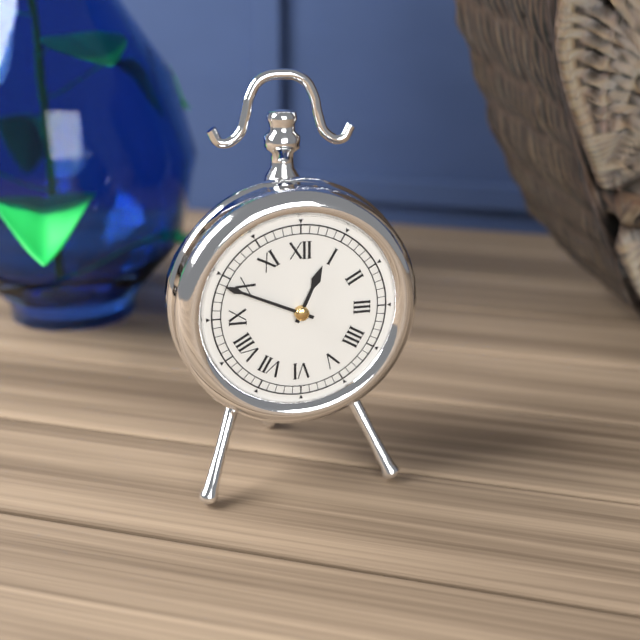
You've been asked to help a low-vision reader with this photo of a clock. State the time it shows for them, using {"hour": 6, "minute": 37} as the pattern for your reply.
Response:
{"hour": 12, "minute": 49}
